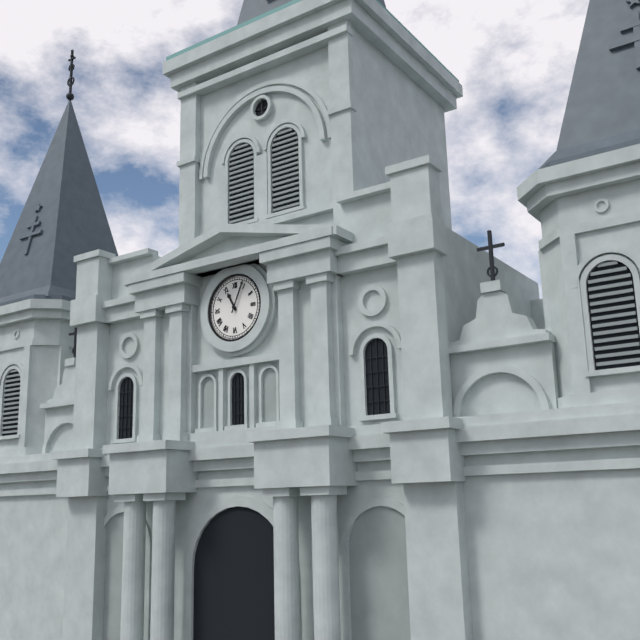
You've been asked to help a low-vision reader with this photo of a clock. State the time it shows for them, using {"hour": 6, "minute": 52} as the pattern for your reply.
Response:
{"hour": 11, "minute": 4}
